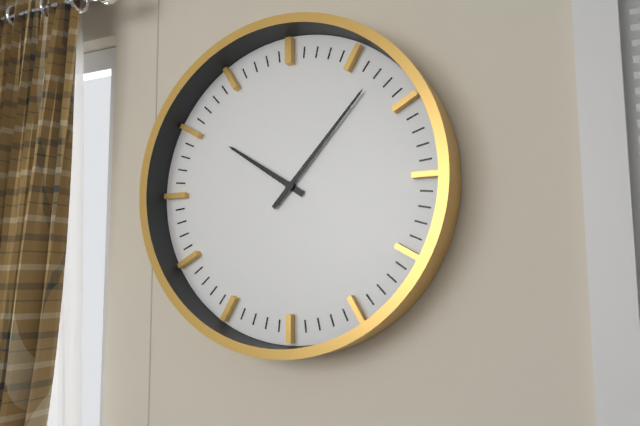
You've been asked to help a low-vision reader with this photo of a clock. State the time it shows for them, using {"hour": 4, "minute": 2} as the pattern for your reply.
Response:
{"hour": 10, "minute": 7}
